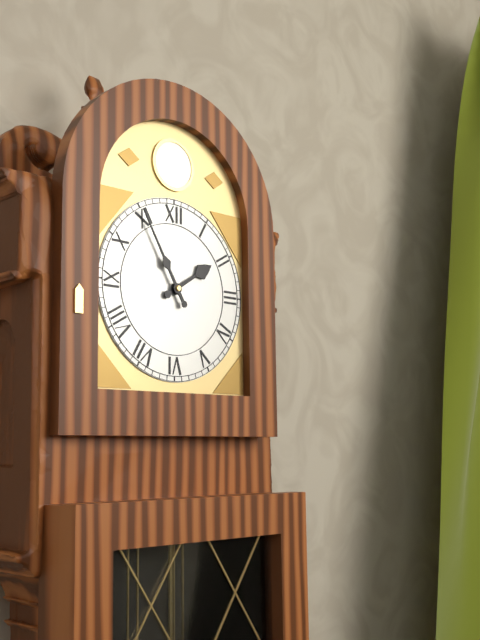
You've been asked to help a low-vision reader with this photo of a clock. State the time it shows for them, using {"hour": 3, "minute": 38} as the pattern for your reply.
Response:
{"hour": 1, "minute": 55}
